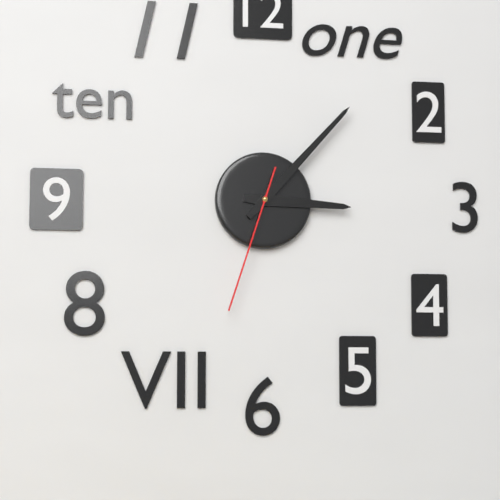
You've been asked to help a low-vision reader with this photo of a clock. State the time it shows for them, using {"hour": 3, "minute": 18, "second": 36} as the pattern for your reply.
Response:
{"hour": 3, "minute": 7, "second": 33}
